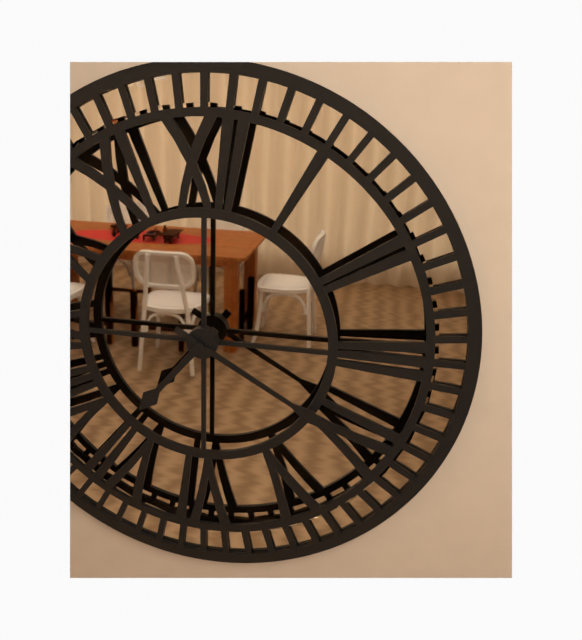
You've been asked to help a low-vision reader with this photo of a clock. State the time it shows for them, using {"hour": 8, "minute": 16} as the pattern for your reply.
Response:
{"hour": 7, "minute": 20}
